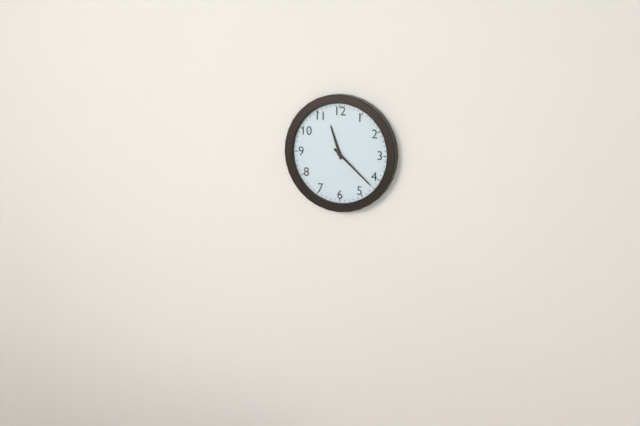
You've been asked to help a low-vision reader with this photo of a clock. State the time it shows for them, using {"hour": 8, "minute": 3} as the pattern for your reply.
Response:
{"hour": 11, "minute": 22}
